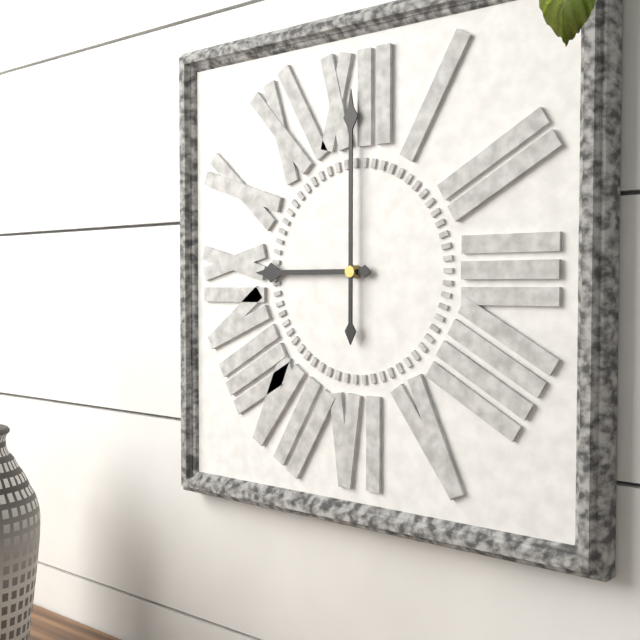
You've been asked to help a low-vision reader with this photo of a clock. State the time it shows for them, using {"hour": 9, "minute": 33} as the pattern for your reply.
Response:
{"hour": 9, "minute": 0}
